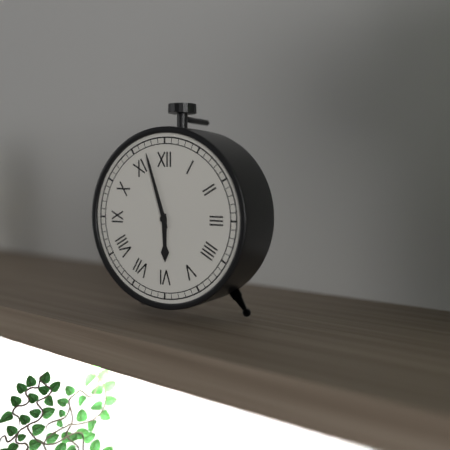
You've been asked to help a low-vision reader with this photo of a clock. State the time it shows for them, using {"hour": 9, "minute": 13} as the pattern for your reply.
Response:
{"hour": 5, "minute": 57}
